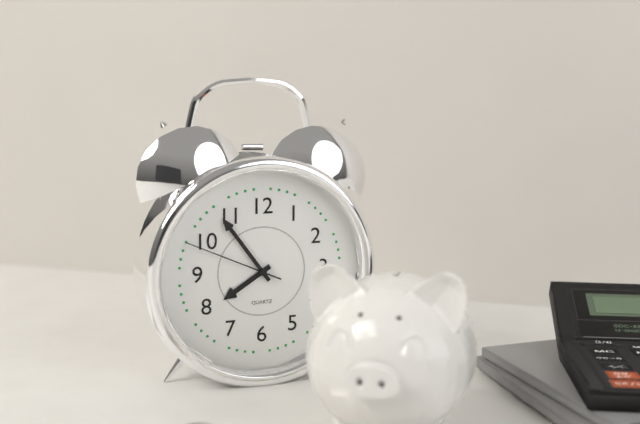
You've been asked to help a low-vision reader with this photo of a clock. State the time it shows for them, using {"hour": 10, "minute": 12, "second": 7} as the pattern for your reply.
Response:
{"hour": 7, "minute": 54, "second": 49}
